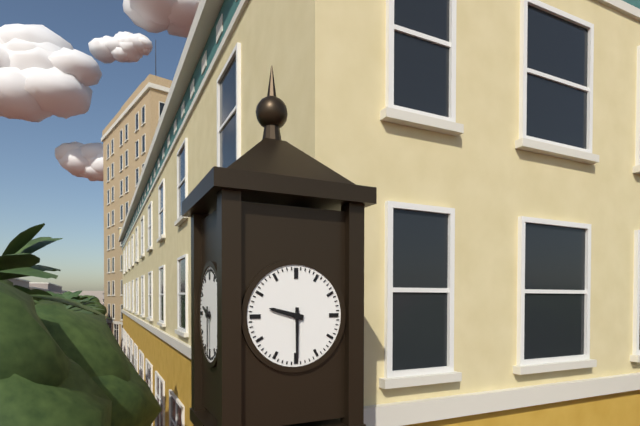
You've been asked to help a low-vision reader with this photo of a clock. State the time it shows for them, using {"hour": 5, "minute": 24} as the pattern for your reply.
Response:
{"hour": 9, "minute": 30}
